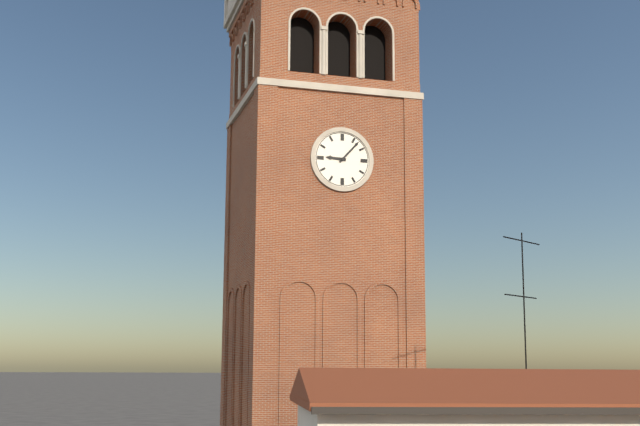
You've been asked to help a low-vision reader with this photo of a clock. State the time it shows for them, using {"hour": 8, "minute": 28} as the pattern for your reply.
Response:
{"hour": 9, "minute": 7}
